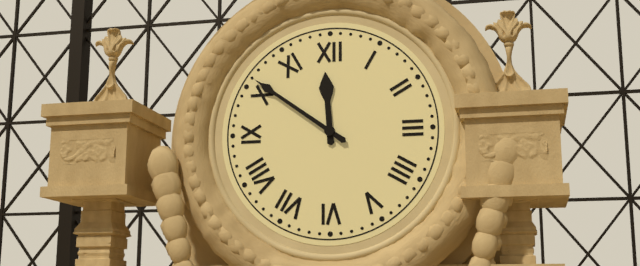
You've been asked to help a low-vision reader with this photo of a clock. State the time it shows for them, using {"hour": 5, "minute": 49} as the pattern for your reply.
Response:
{"hour": 11, "minute": 51}
